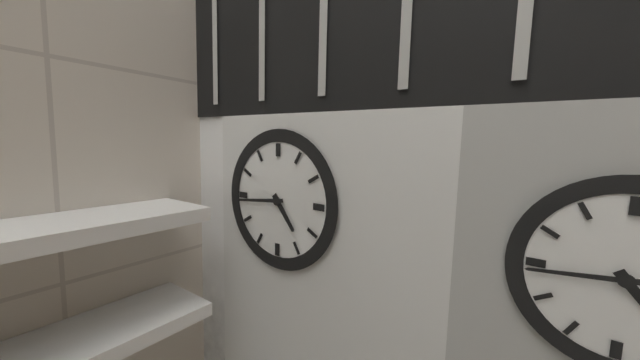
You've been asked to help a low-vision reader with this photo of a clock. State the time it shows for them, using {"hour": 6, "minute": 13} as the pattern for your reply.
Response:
{"hour": 4, "minute": 44}
